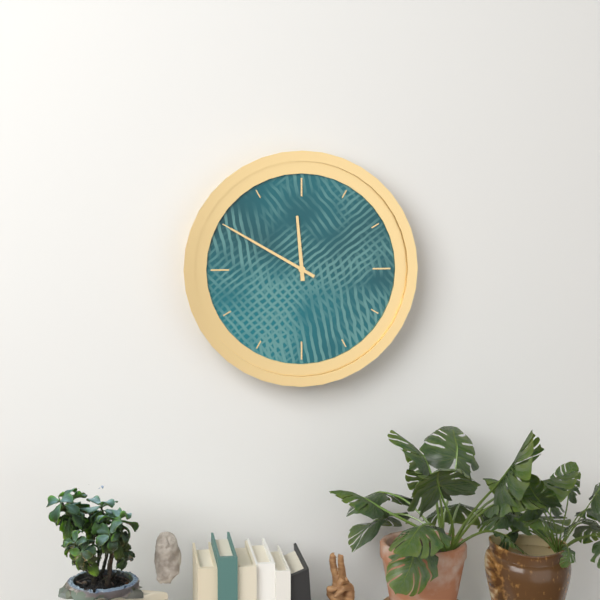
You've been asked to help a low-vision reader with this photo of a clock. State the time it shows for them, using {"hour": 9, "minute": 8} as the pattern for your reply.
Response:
{"hour": 11, "minute": 50}
